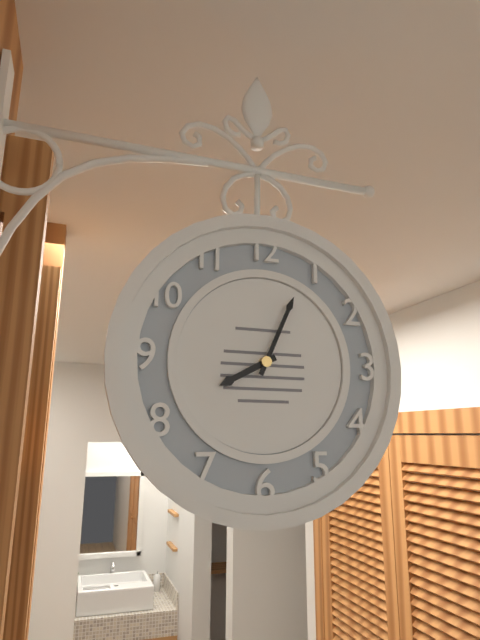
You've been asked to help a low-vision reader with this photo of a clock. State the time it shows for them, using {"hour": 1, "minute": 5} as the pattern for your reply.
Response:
{"hour": 8, "minute": 4}
